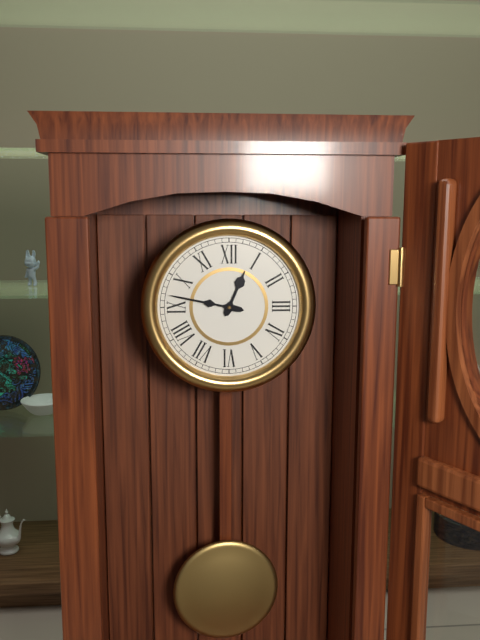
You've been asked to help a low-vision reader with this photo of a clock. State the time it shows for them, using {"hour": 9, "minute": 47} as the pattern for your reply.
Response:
{"hour": 12, "minute": 47}
